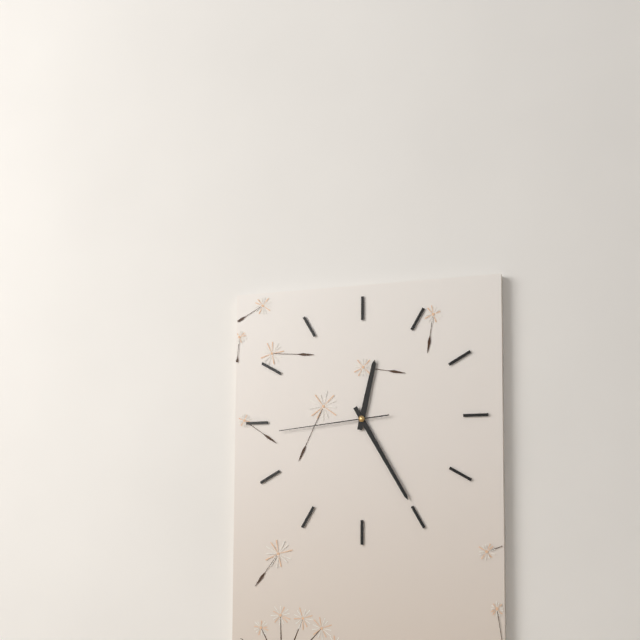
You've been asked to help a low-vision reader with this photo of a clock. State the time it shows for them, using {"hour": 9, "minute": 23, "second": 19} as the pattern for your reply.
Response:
{"hour": 12, "minute": 25, "second": 44}
